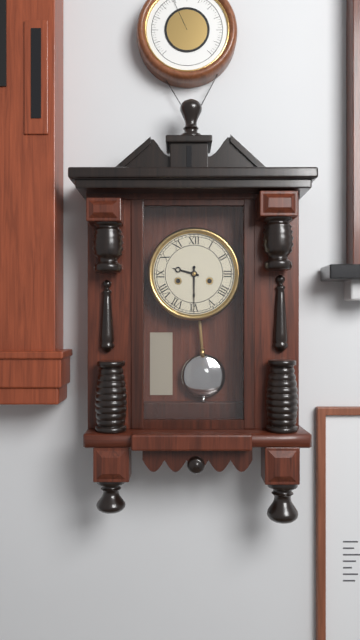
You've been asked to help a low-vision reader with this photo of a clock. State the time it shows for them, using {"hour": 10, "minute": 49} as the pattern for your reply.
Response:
{"hour": 9, "minute": 30}
